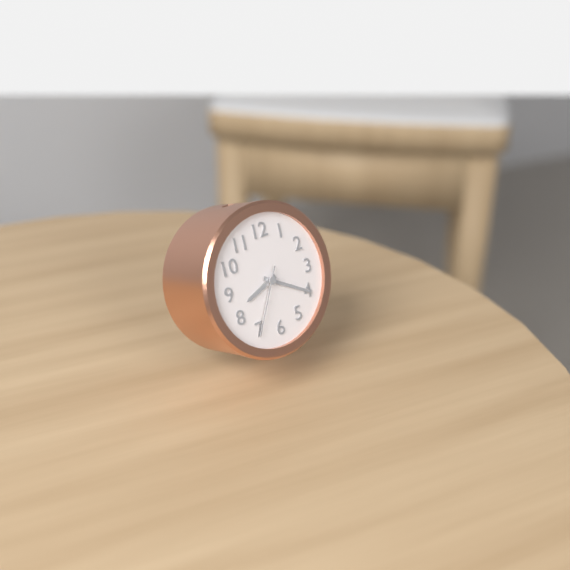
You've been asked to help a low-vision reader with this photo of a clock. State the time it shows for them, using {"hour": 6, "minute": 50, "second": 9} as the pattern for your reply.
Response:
{"hour": 8, "minute": 20, "second": 35}
